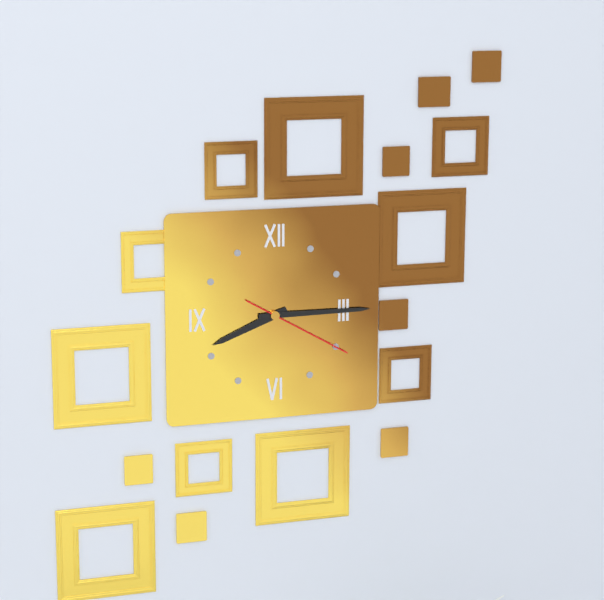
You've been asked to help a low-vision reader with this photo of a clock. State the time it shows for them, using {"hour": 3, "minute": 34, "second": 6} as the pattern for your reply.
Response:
{"hour": 8, "minute": 15, "second": 20}
